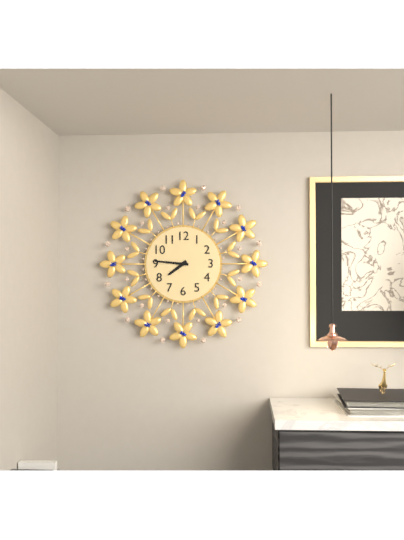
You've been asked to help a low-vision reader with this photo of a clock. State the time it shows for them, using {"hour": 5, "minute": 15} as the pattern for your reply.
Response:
{"hour": 7, "minute": 46}
